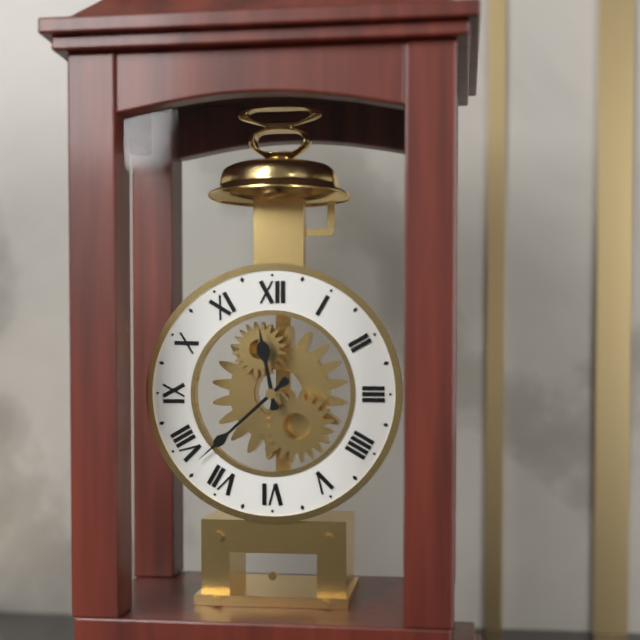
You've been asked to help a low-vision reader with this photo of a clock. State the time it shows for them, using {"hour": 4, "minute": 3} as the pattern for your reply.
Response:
{"hour": 11, "minute": 38}
